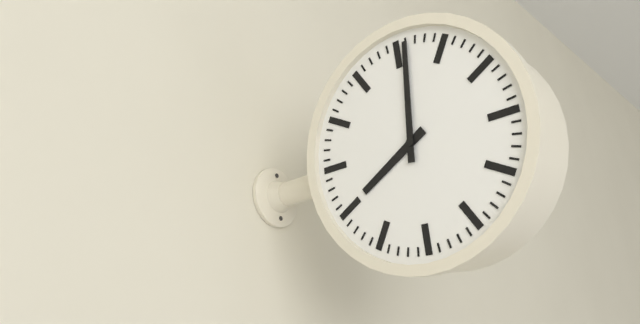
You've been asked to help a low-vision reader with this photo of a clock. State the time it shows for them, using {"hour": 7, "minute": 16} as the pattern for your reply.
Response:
{"hour": 8, "minute": 1}
